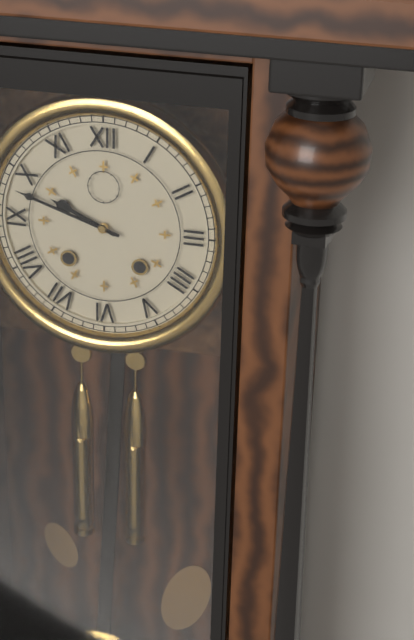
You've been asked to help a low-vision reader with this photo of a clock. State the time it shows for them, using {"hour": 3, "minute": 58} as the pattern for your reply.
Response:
{"hour": 9, "minute": 48}
